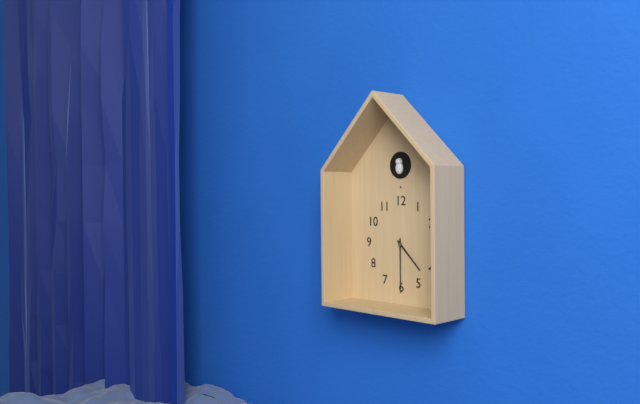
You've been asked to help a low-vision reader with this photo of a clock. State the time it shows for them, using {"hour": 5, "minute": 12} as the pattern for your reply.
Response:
{"hour": 4, "minute": 30}
